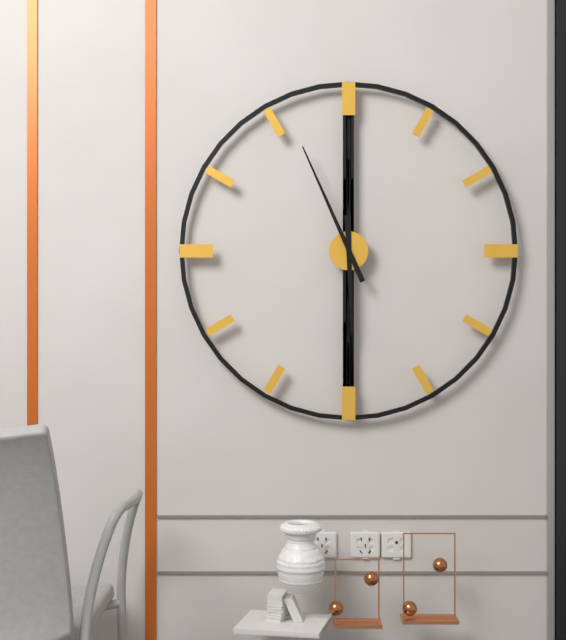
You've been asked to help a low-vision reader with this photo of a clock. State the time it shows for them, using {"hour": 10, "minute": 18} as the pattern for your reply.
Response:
{"hour": 5, "minute": 56}
